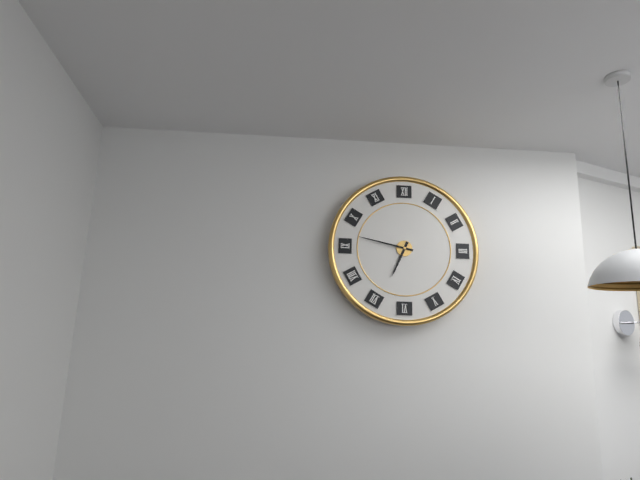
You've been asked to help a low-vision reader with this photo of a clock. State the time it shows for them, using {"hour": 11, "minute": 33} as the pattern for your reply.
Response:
{"hour": 6, "minute": 47}
